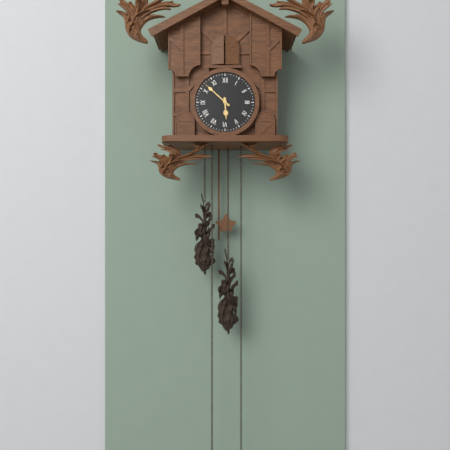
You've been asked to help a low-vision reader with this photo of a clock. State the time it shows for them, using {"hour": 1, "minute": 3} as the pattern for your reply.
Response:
{"hour": 5, "minute": 52}
